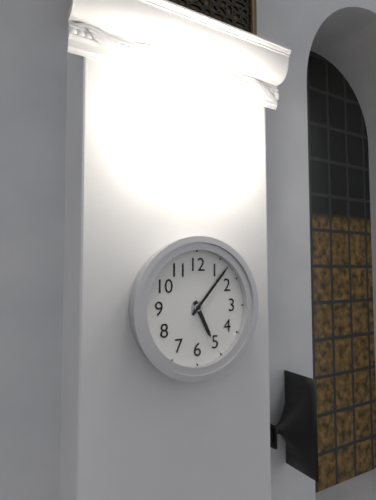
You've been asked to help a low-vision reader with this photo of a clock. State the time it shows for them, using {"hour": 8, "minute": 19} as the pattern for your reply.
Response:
{"hour": 5, "minute": 7}
